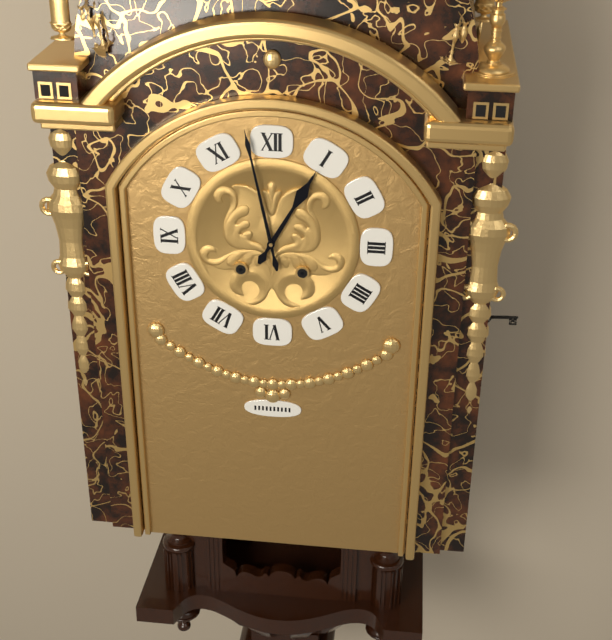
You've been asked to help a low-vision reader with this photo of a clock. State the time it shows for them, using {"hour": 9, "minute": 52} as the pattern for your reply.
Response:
{"hour": 12, "minute": 58}
